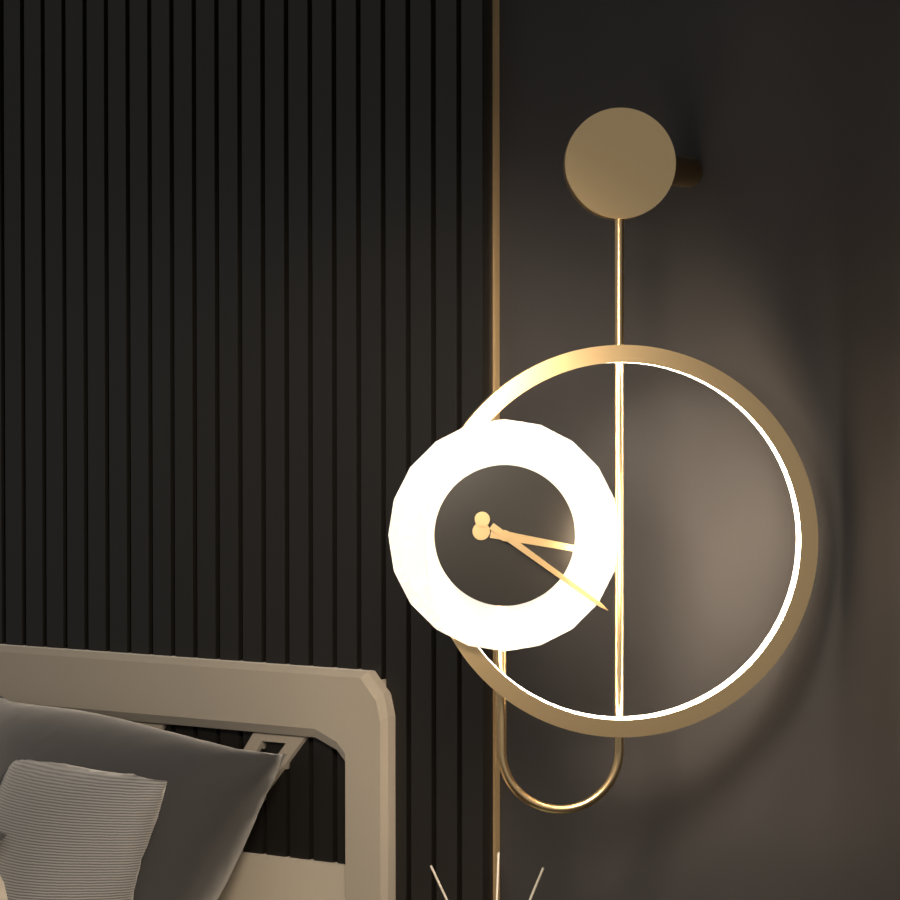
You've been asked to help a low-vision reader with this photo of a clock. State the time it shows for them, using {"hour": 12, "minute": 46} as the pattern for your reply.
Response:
{"hour": 3, "minute": 21}
